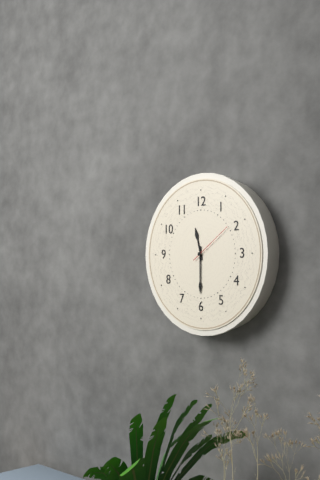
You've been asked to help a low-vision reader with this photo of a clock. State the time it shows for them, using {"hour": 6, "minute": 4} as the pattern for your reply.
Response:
{"hour": 11, "minute": 30}
